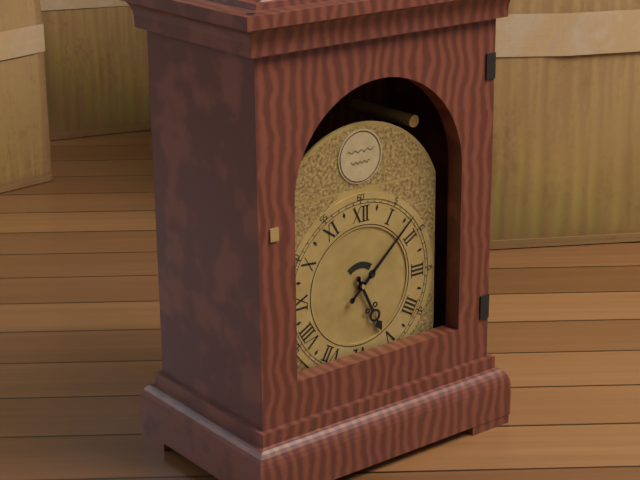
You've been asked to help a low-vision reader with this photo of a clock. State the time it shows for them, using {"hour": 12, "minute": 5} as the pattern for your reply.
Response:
{"hour": 5, "minute": 8}
